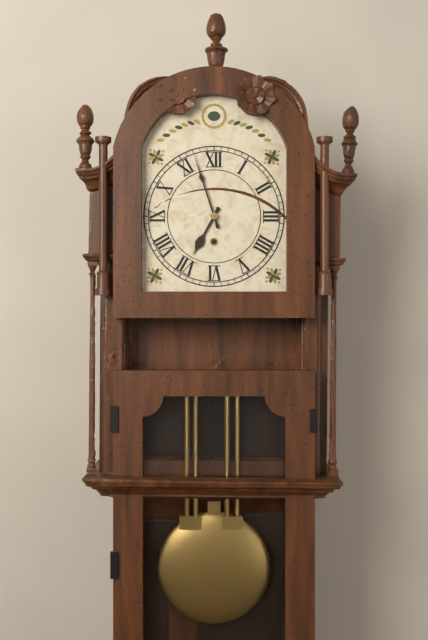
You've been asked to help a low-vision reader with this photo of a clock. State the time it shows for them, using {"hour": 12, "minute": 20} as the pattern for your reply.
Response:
{"hour": 6, "minute": 57}
